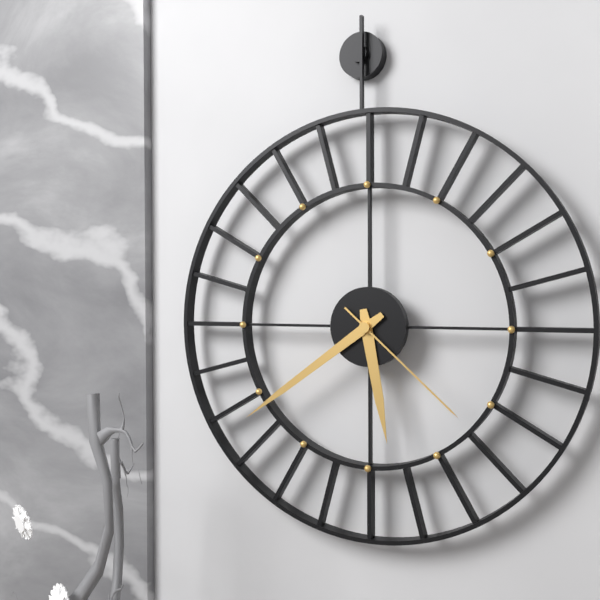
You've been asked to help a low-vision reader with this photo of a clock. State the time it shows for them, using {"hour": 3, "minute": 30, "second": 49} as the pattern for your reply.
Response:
{"hour": 5, "minute": 39, "second": 22}
